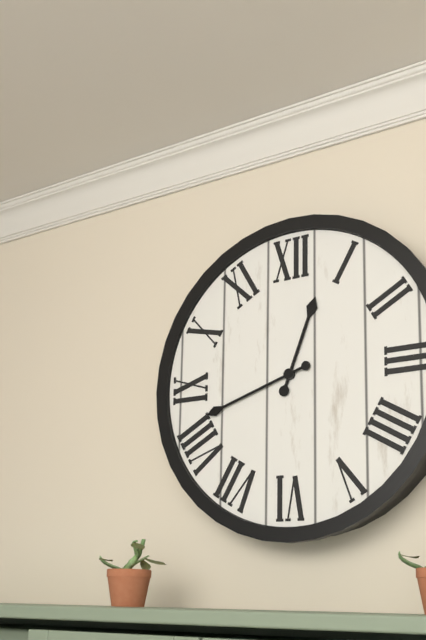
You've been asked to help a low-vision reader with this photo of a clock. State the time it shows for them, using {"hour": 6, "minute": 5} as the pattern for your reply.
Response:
{"hour": 12, "minute": 42}
